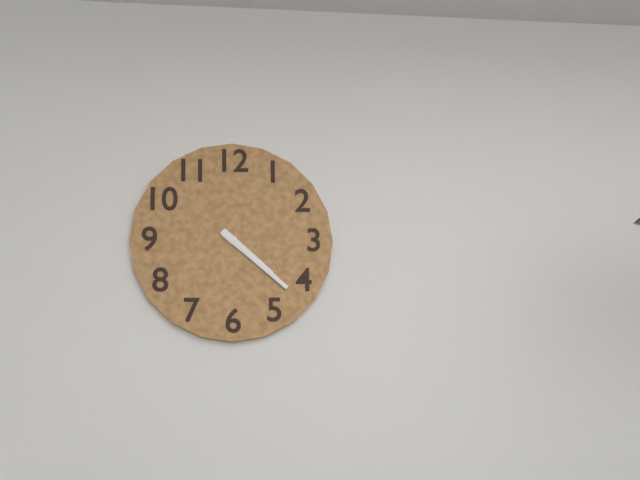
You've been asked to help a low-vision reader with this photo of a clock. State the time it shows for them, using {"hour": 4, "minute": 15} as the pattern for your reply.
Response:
{"hour": 4, "minute": 22}
